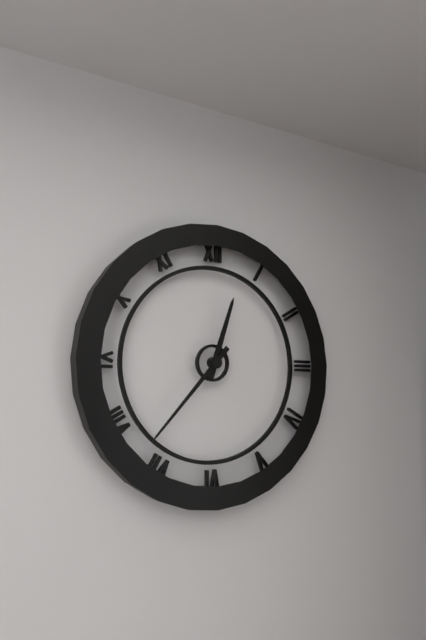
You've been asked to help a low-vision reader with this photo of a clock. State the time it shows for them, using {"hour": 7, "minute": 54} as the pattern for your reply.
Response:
{"hour": 12, "minute": 37}
